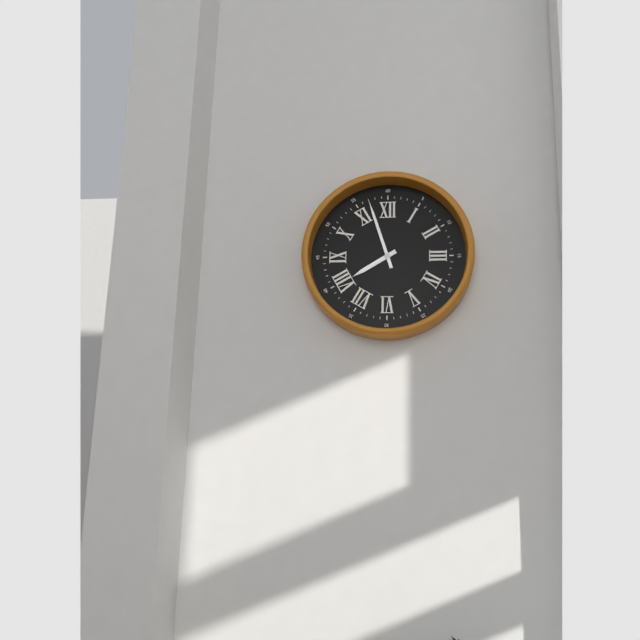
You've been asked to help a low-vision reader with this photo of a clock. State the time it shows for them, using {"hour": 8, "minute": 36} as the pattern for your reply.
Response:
{"hour": 7, "minute": 57}
